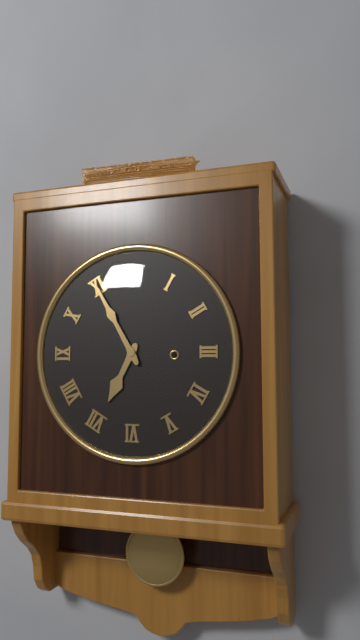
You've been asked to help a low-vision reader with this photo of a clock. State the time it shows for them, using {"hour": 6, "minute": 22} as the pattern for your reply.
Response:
{"hour": 6, "minute": 55}
